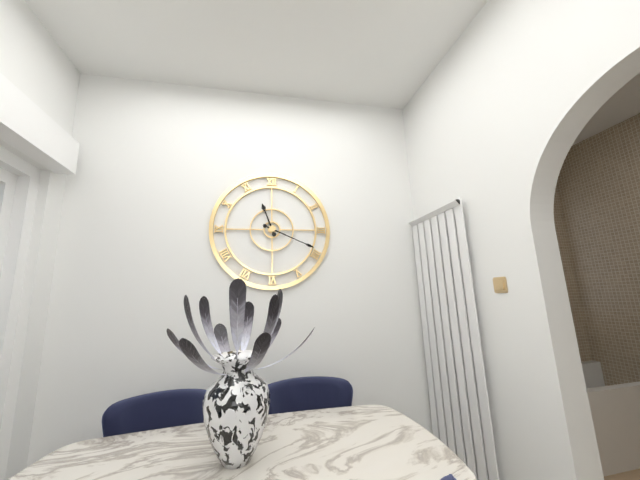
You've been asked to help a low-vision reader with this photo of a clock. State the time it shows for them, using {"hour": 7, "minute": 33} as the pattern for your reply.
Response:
{"hour": 11, "minute": 19}
